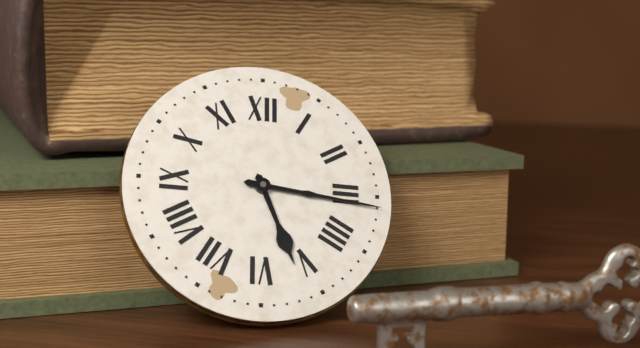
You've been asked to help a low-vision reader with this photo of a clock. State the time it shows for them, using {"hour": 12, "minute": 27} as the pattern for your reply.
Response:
{"hour": 5, "minute": 16}
